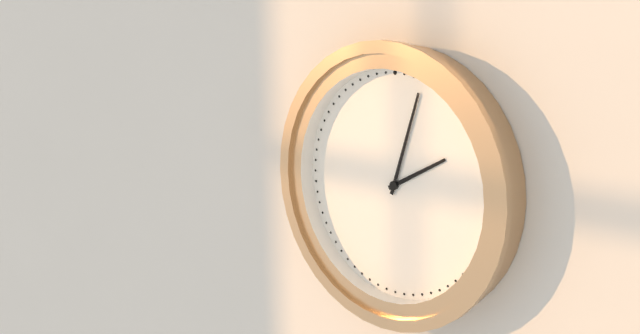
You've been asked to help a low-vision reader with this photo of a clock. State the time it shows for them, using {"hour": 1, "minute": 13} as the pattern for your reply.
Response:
{"hour": 2, "minute": 3}
